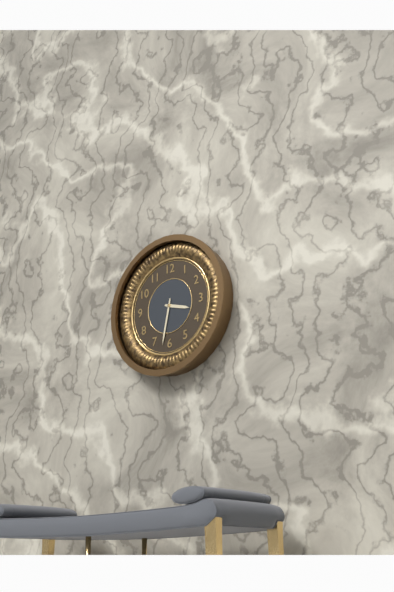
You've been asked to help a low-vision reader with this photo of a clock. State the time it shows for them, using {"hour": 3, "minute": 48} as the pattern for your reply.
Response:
{"hour": 3, "minute": 32}
